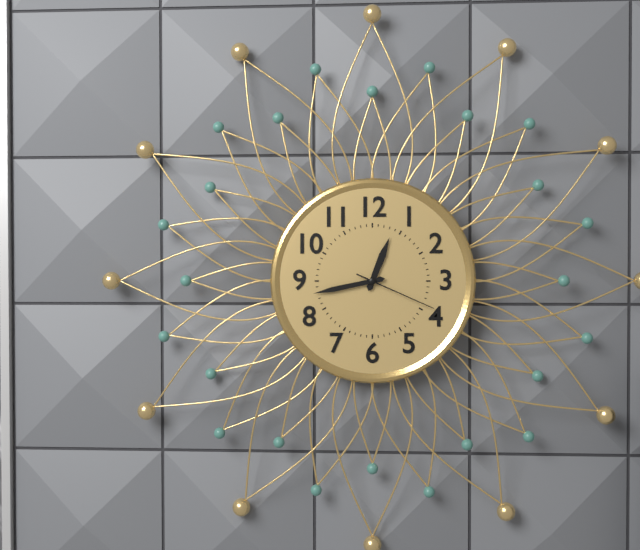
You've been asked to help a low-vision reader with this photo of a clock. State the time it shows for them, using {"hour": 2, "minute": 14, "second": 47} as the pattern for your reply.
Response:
{"hour": 12, "minute": 43, "second": 19}
